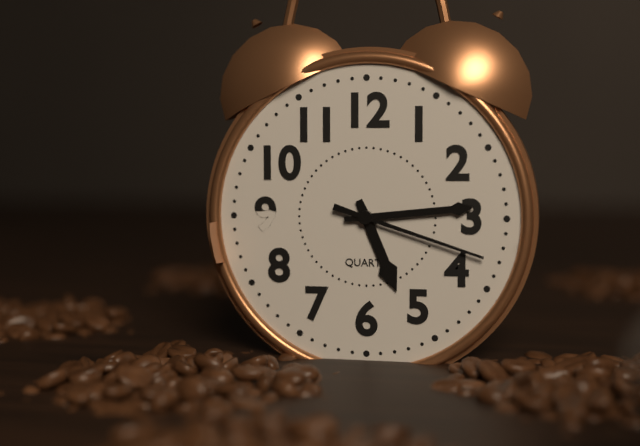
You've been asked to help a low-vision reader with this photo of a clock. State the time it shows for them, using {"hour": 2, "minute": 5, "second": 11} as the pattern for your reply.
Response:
{"hour": 5, "minute": 14, "second": 18}
